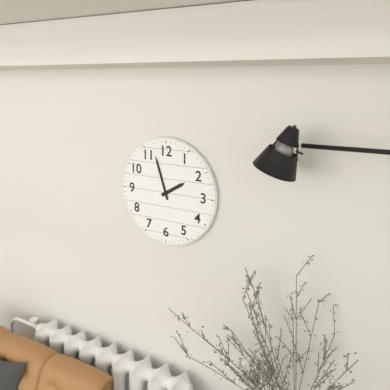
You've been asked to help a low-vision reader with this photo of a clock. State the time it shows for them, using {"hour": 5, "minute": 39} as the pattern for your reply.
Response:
{"hour": 1, "minute": 57}
